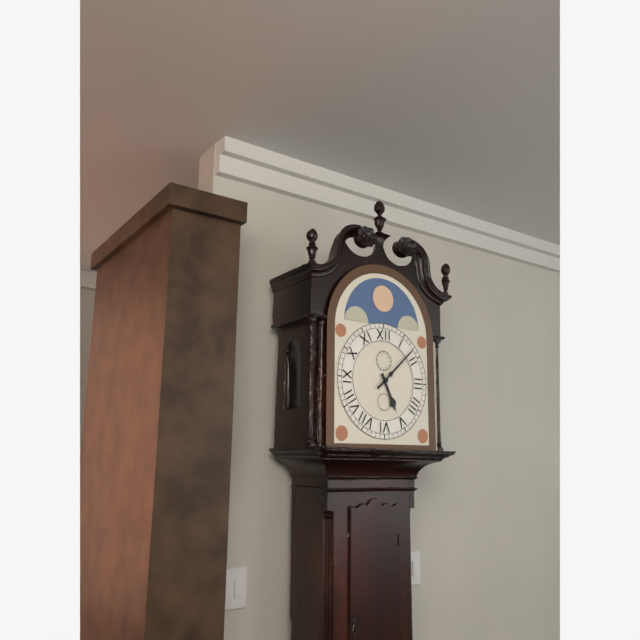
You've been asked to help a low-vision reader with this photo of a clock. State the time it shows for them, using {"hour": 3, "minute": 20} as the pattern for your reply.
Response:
{"hour": 5, "minute": 8}
